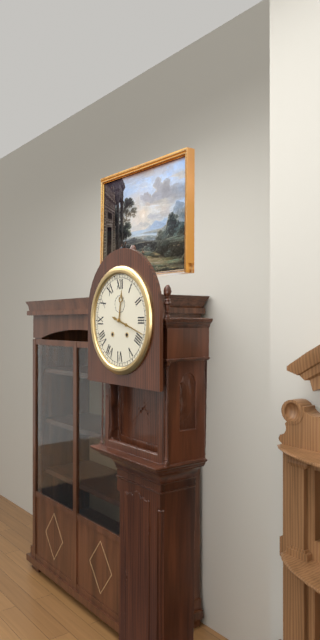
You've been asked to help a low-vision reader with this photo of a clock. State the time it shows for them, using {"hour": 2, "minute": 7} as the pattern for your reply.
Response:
{"hour": 12, "minute": 18}
